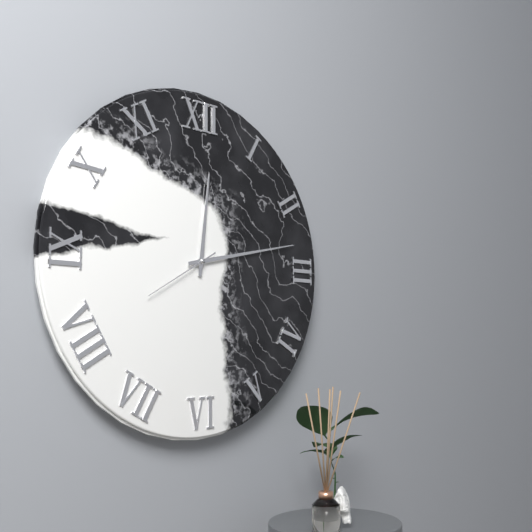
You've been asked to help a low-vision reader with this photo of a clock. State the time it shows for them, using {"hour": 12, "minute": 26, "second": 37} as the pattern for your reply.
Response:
{"hour": 12, "minute": 13, "second": 40}
